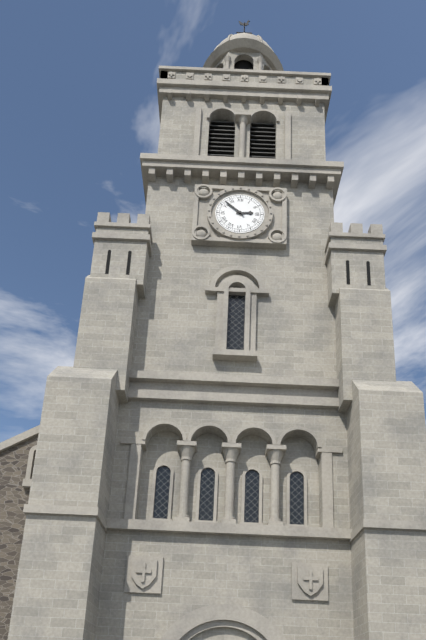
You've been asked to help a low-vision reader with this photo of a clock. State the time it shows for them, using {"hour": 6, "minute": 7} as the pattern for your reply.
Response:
{"hour": 2, "minute": 52}
